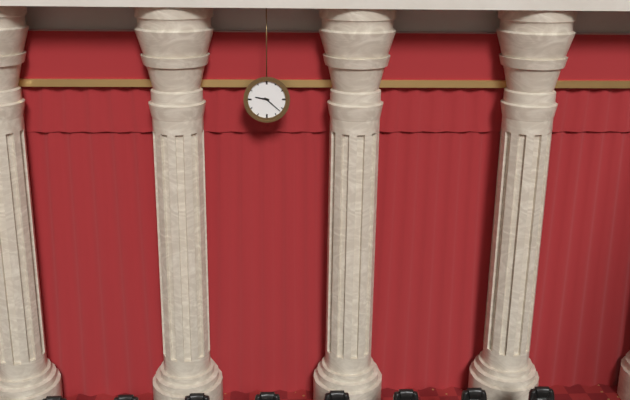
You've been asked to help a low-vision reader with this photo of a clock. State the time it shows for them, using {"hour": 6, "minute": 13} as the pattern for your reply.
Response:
{"hour": 9, "minute": 22}
